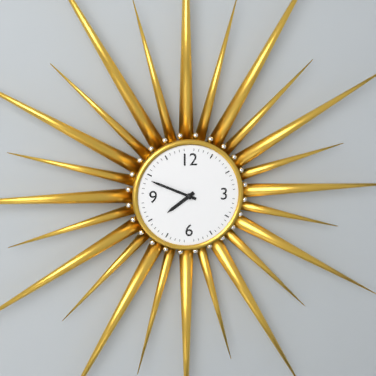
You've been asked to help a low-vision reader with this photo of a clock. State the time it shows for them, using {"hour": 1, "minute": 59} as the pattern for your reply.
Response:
{"hour": 7, "minute": 49}
